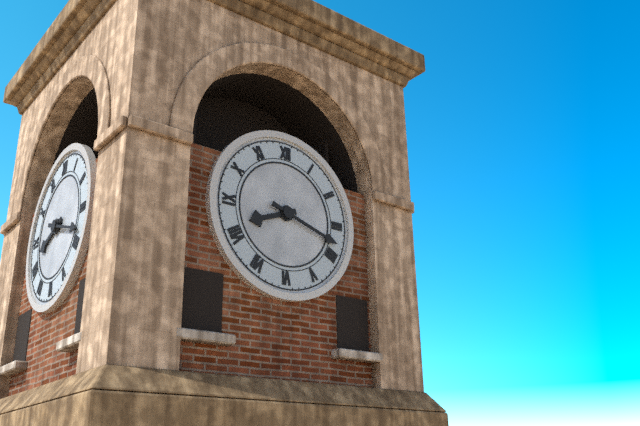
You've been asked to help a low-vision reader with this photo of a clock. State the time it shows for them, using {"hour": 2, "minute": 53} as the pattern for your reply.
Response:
{"hour": 8, "minute": 18}
